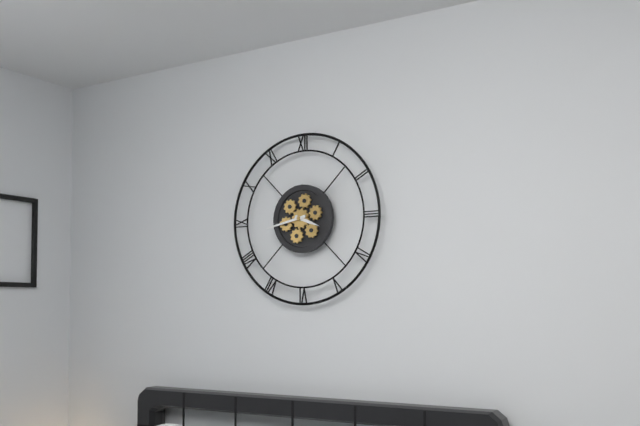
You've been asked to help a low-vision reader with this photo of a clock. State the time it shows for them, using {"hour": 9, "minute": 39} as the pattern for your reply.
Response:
{"hour": 3, "minute": 43}
